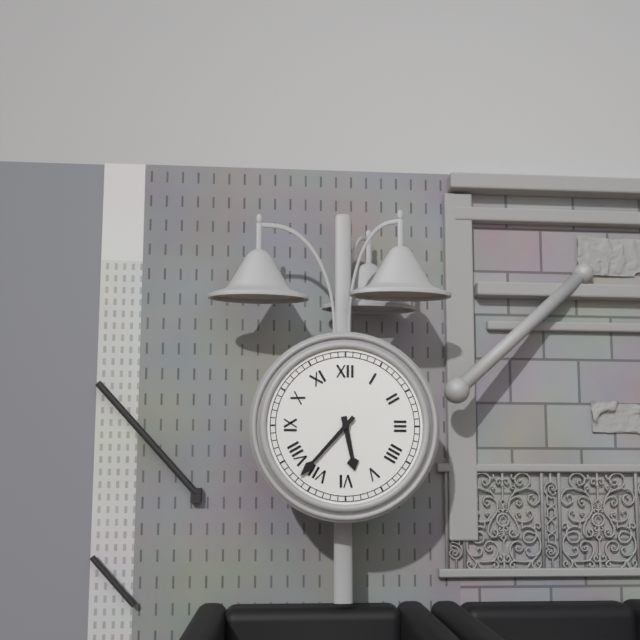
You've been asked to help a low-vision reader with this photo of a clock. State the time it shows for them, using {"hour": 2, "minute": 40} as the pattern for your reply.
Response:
{"hour": 5, "minute": 37}
